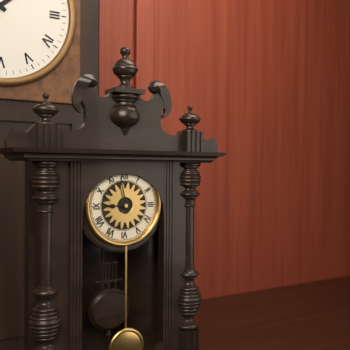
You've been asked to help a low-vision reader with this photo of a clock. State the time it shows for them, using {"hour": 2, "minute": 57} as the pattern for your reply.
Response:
{"hour": 8, "minute": 58}
